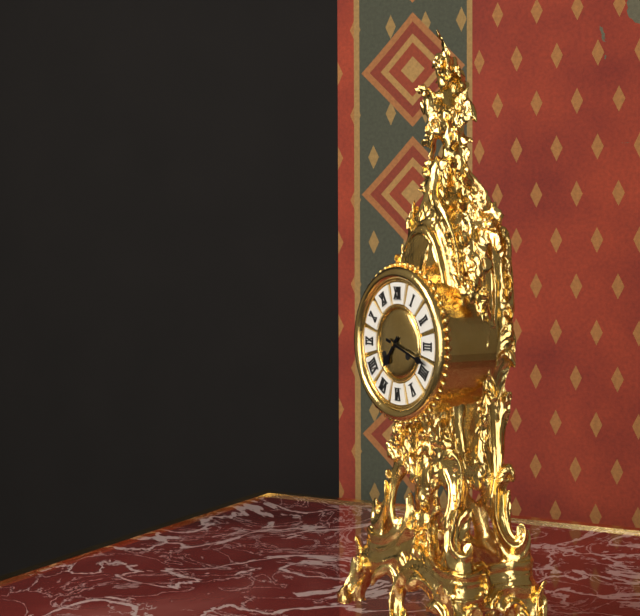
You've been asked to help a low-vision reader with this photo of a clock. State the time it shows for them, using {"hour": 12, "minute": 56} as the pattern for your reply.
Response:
{"hour": 7, "minute": 18}
